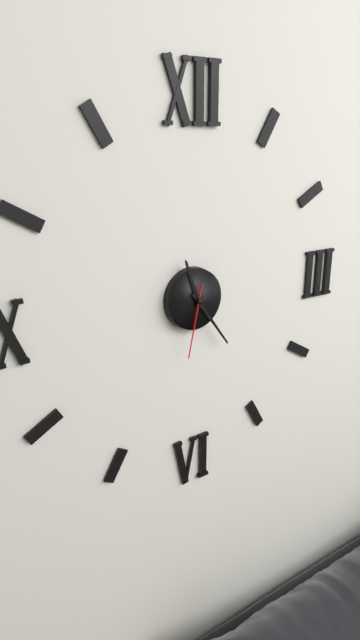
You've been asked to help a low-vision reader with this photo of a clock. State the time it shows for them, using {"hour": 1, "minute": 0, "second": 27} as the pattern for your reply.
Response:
{"hour": 11, "minute": 24, "second": 32}
